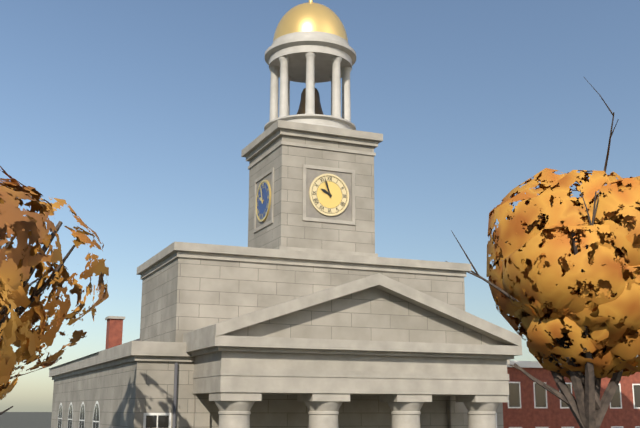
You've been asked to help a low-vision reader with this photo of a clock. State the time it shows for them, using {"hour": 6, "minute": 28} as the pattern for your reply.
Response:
{"hour": 9, "minute": 57}
